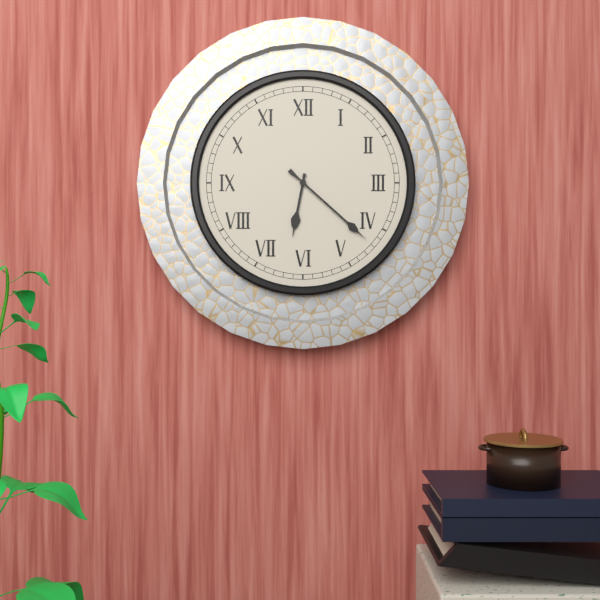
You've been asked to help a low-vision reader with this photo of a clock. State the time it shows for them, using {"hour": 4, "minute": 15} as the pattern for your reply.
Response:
{"hour": 6, "minute": 22}
